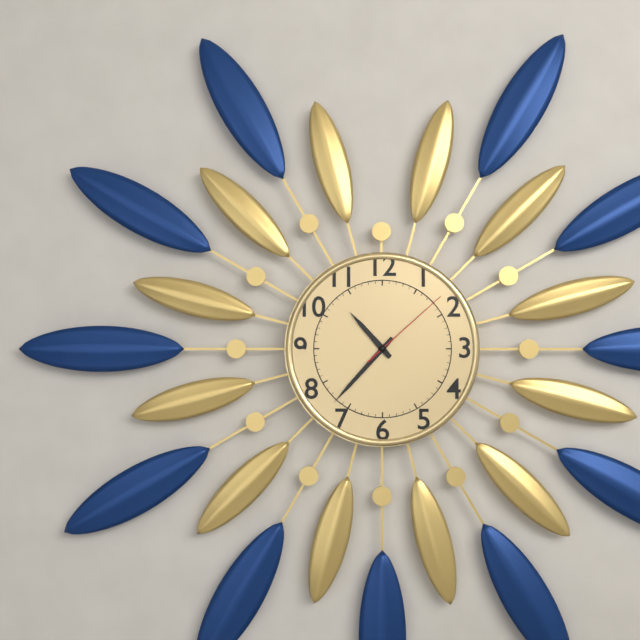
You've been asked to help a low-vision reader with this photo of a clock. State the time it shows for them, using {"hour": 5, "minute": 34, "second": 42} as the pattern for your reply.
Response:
{"hour": 10, "minute": 37, "second": 8}
